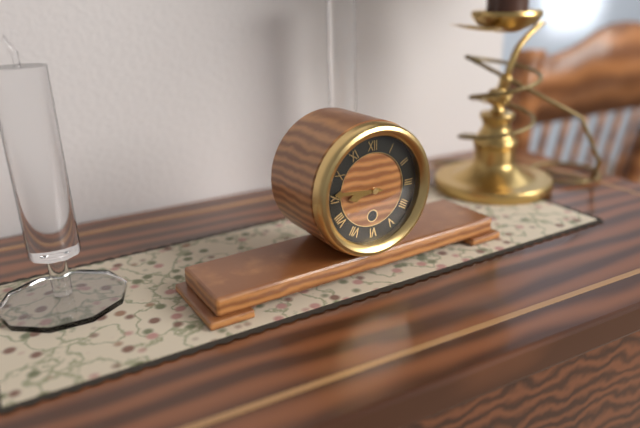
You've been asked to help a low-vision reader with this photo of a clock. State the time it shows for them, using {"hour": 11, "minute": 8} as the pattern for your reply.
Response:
{"hour": 8, "minute": 46}
